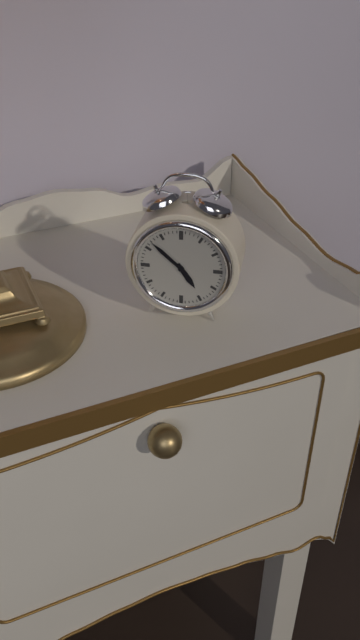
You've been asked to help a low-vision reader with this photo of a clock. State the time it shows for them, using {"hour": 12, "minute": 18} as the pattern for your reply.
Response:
{"hour": 4, "minute": 52}
